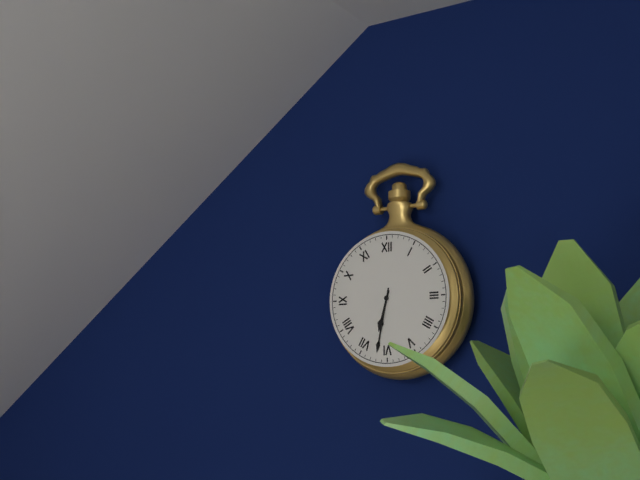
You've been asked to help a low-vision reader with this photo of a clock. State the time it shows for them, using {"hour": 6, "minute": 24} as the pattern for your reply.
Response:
{"hour": 6, "minute": 32}
